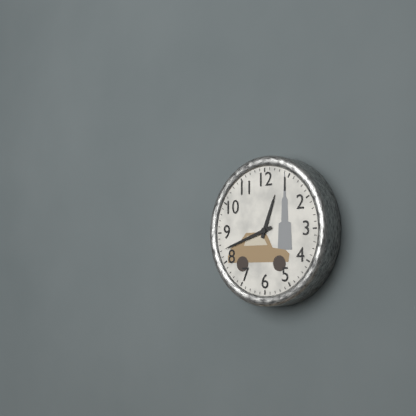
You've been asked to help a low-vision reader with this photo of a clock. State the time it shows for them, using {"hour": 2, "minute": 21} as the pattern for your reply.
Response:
{"hour": 12, "minute": 42}
